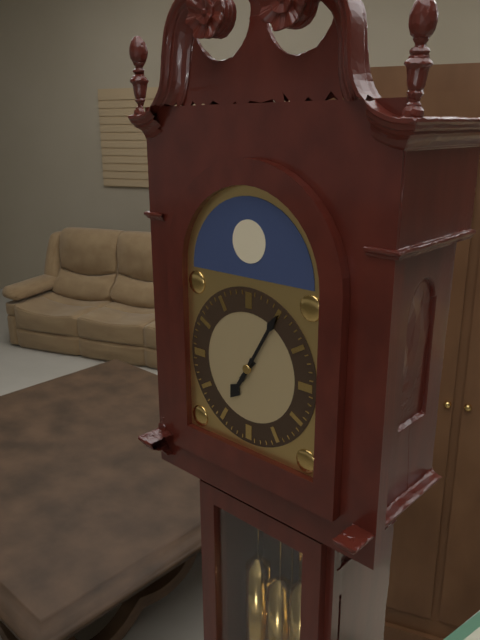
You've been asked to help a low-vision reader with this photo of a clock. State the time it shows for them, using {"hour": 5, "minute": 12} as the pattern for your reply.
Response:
{"hour": 7, "minute": 5}
